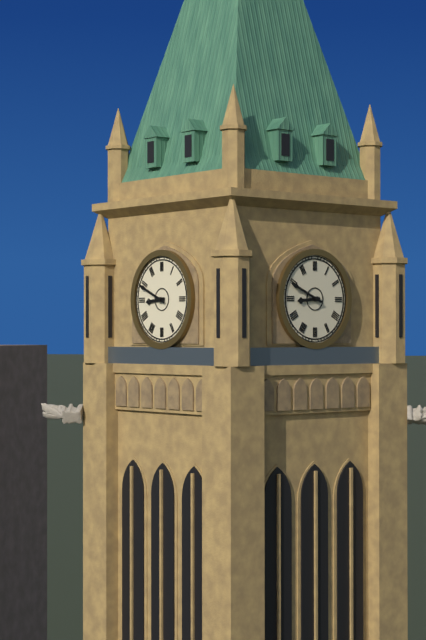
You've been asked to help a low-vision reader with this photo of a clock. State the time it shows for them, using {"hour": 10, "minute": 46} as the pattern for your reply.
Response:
{"hour": 8, "minute": 49}
